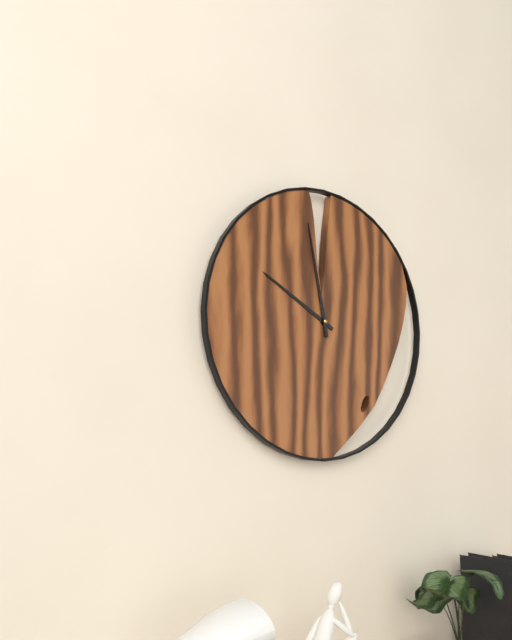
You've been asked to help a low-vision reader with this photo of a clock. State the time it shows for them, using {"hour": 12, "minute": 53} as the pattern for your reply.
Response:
{"hour": 9, "minute": 58}
